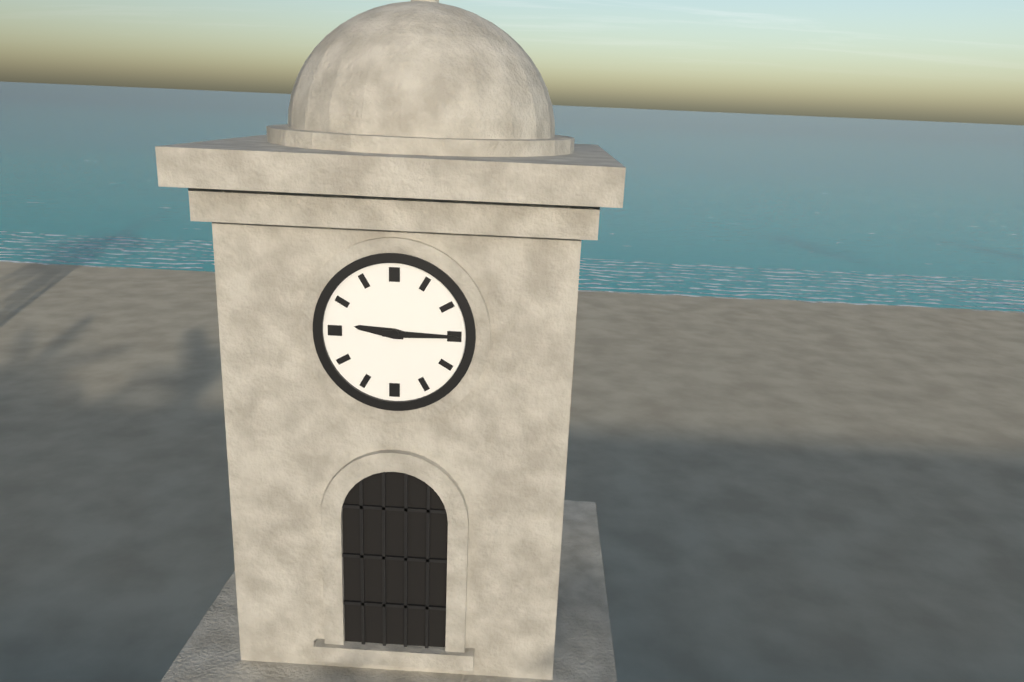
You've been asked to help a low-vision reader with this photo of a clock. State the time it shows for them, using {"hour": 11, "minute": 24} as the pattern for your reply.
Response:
{"hour": 9, "minute": 15}
